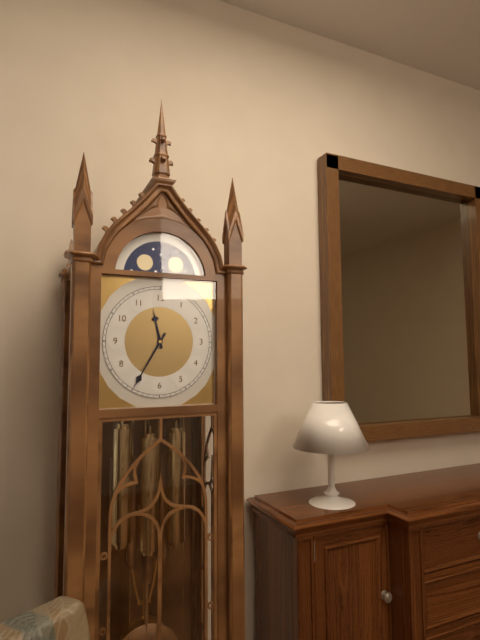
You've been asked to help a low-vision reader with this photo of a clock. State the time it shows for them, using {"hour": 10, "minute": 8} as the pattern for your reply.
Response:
{"hour": 11, "minute": 35}
